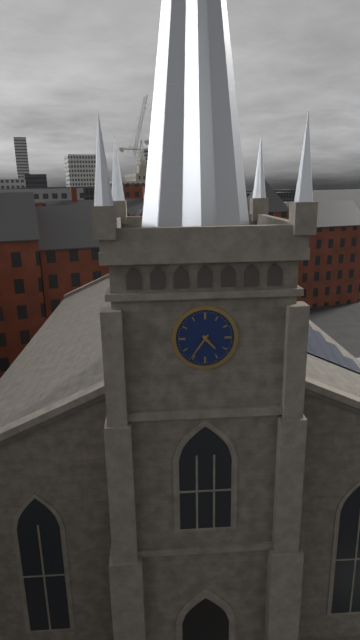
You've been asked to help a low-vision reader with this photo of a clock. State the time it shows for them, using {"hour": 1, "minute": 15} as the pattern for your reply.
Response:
{"hour": 4, "minute": 36}
